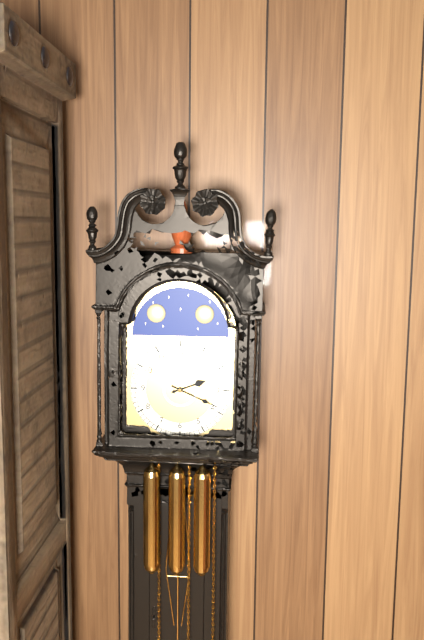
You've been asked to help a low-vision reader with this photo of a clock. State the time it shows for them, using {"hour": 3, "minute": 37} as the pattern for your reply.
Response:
{"hour": 2, "minute": 19}
